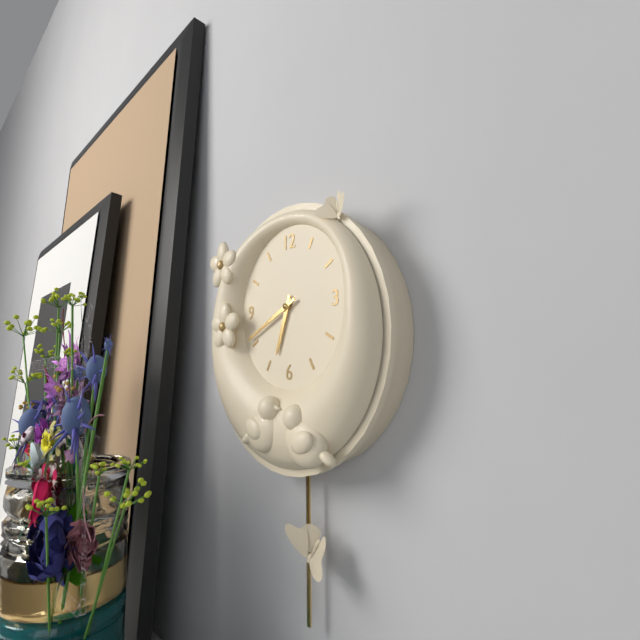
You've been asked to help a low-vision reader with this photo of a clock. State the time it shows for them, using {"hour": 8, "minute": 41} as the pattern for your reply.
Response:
{"hour": 6, "minute": 41}
